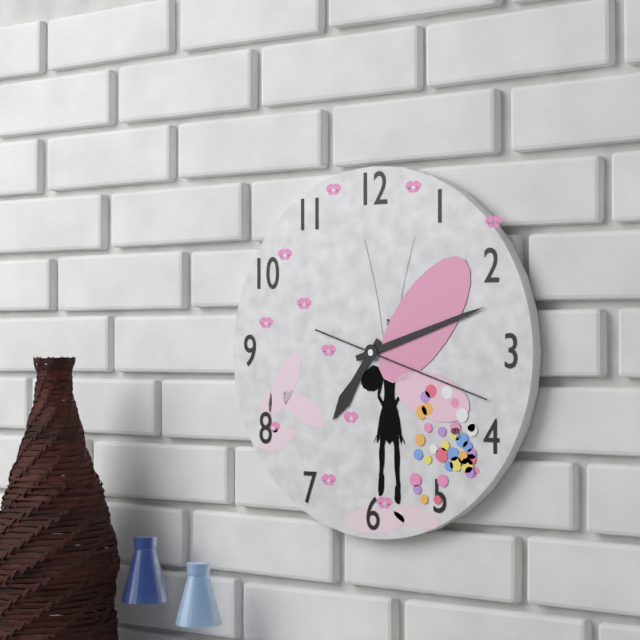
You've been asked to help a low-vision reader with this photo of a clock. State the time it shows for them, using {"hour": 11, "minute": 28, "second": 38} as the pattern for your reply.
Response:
{"hour": 7, "minute": 12, "second": 18}
